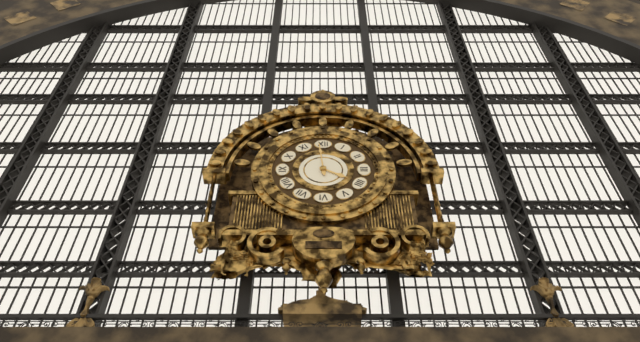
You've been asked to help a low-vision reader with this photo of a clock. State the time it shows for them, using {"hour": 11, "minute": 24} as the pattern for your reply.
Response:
{"hour": 3, "minute": 59}
